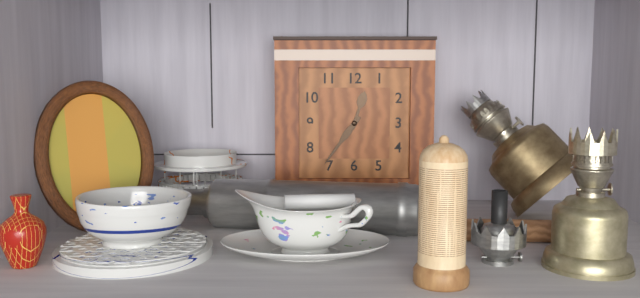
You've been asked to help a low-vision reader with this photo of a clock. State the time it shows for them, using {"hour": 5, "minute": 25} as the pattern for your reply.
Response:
{"hour": 12, "minute": 36}
